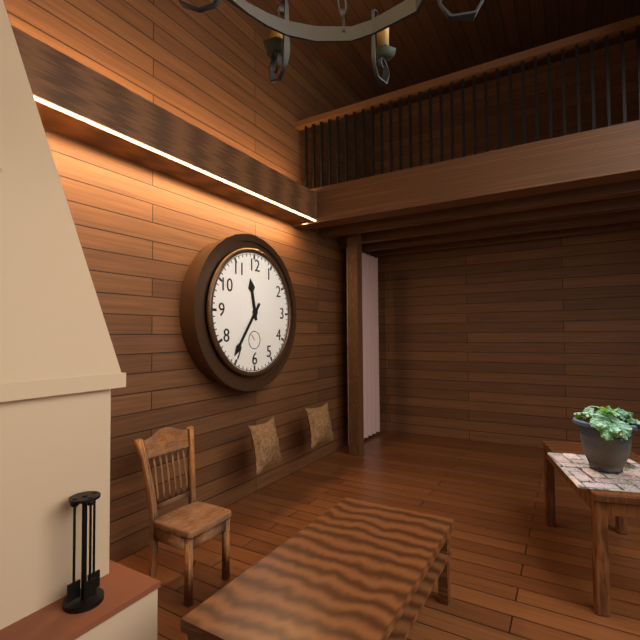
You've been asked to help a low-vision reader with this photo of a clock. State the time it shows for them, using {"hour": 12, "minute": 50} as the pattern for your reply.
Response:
{"hour": 11, "minute": 36}
